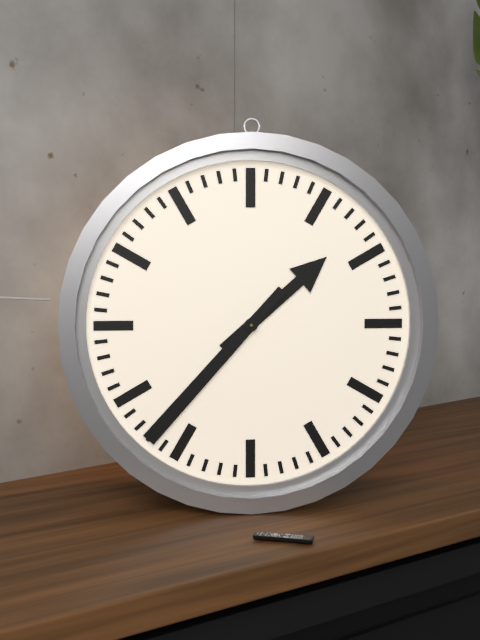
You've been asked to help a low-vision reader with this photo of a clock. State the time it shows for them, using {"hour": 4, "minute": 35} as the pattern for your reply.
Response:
{"hour": 1, "minute": 37}
